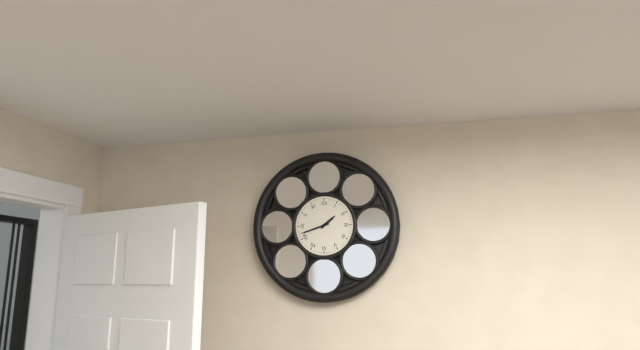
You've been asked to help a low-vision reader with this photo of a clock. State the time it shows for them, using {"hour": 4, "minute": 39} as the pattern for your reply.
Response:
{"hour": 1, "minute": 42}
